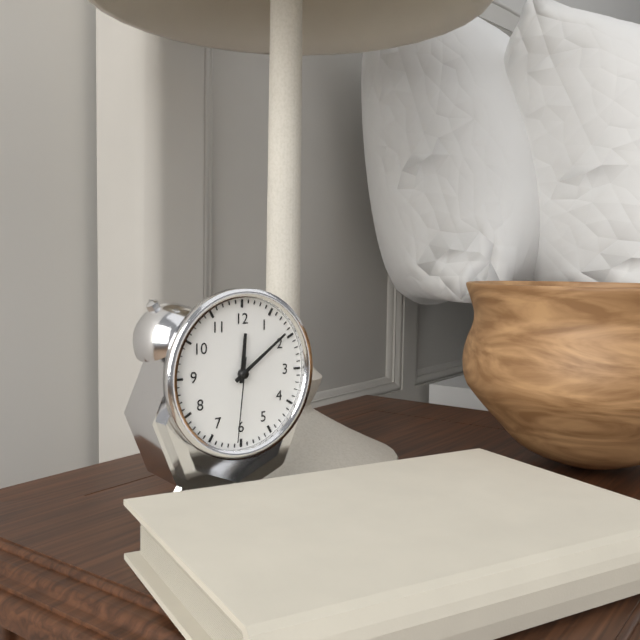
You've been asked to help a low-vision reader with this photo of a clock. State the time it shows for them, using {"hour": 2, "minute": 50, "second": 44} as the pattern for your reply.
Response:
{"hour": 12, "minute": 9, "second": 31}
